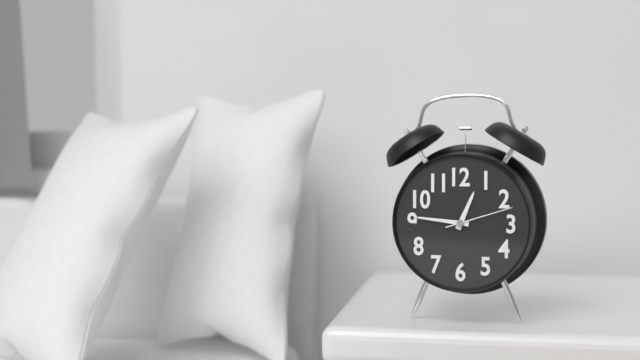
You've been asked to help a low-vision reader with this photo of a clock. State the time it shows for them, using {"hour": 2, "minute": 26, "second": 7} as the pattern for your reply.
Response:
{"hour": 12, "minute": 46, "second": 12}
